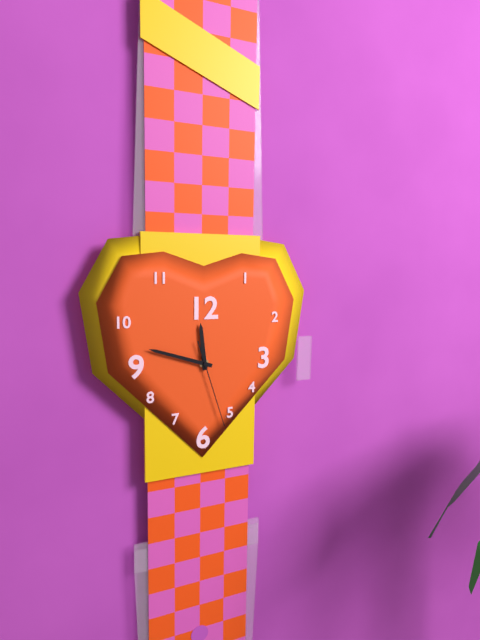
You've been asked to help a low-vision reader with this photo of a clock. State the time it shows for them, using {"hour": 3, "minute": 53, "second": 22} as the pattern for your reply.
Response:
{"hour": 11, "minute": 48, "second": 27}
